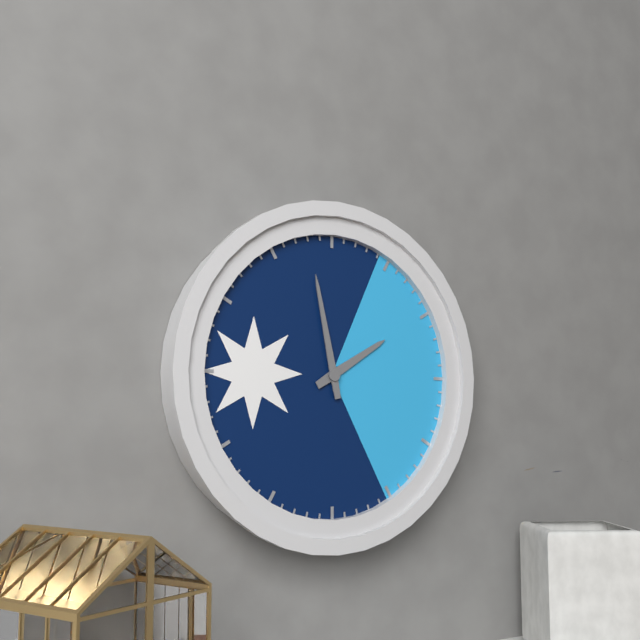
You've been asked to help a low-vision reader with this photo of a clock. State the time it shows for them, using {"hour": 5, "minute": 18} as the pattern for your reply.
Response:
{"hour": 1, "minute": 58}
